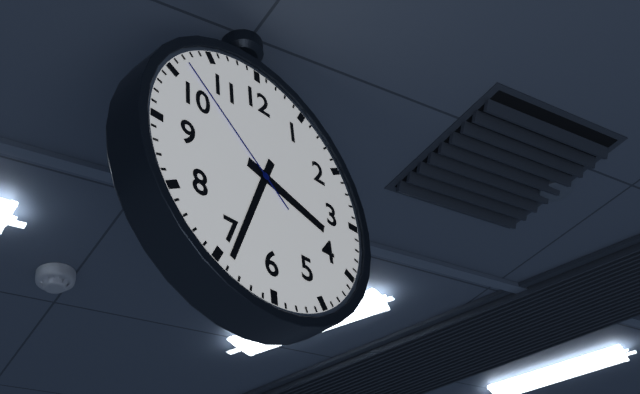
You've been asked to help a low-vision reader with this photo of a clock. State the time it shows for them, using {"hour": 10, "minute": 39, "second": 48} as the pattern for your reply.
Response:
{"hour": 3, "minute": 34, "second": 52}
